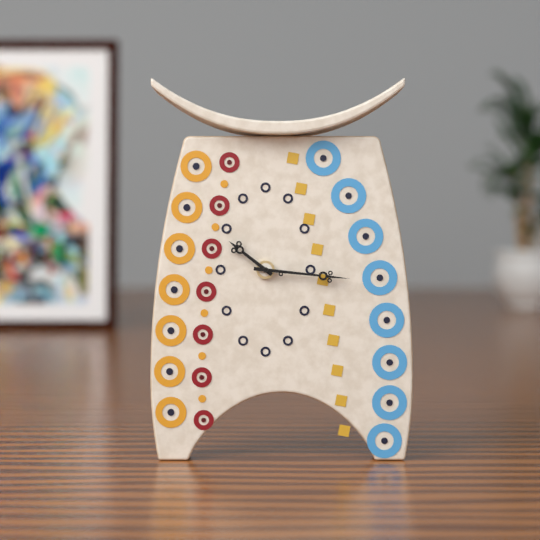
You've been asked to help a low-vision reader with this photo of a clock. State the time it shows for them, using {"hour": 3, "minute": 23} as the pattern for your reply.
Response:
{"hour": 10, "minute": 16}
